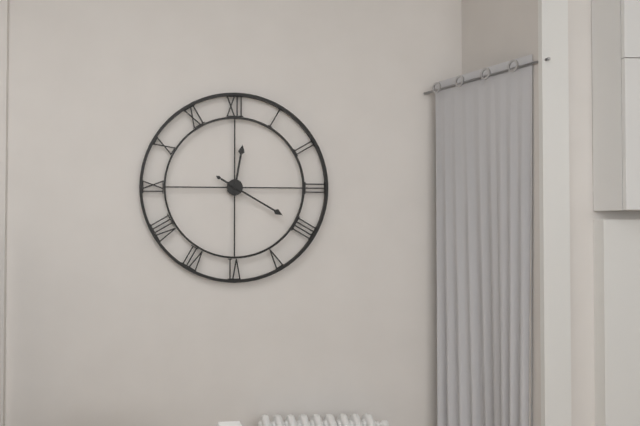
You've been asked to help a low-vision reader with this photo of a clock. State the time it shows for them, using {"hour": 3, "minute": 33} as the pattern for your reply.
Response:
{"hour": 12, "minute": 20}
